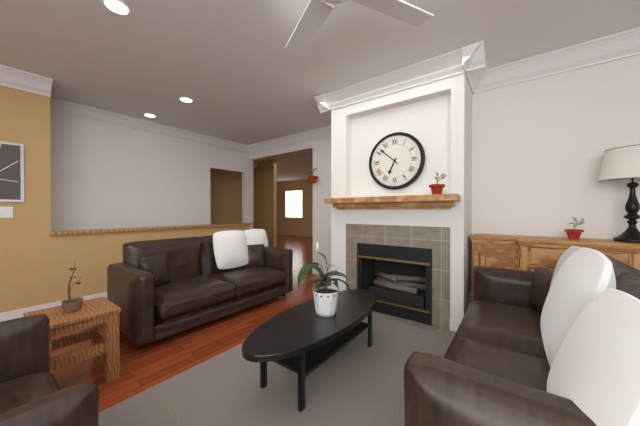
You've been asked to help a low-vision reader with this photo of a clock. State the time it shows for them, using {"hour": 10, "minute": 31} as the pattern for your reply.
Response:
{"hour": 6, "minute": 52}
